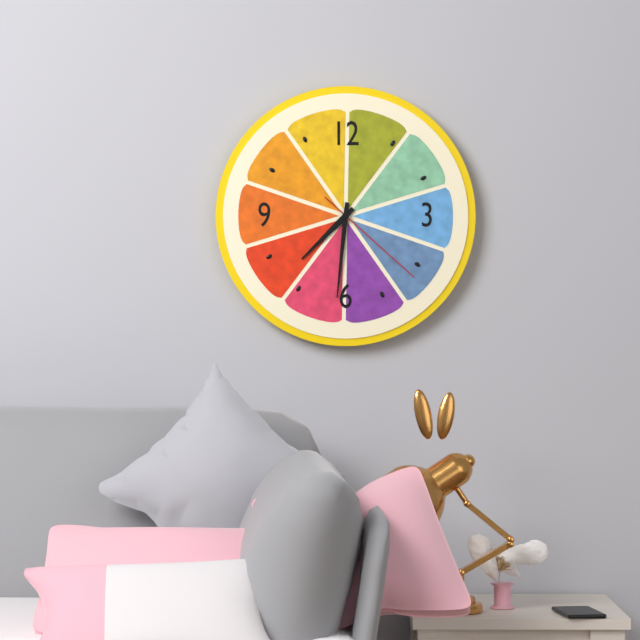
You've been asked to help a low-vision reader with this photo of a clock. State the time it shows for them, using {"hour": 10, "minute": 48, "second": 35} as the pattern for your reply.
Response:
{"hour": 7, "minute": 31, "second": 22}
